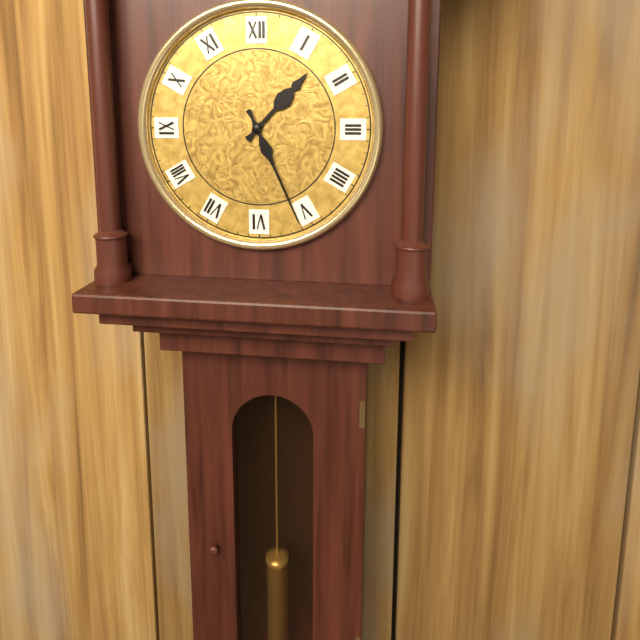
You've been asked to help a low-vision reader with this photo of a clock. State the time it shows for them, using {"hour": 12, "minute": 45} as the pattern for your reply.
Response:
{"hour": 1, "minute": 26}
